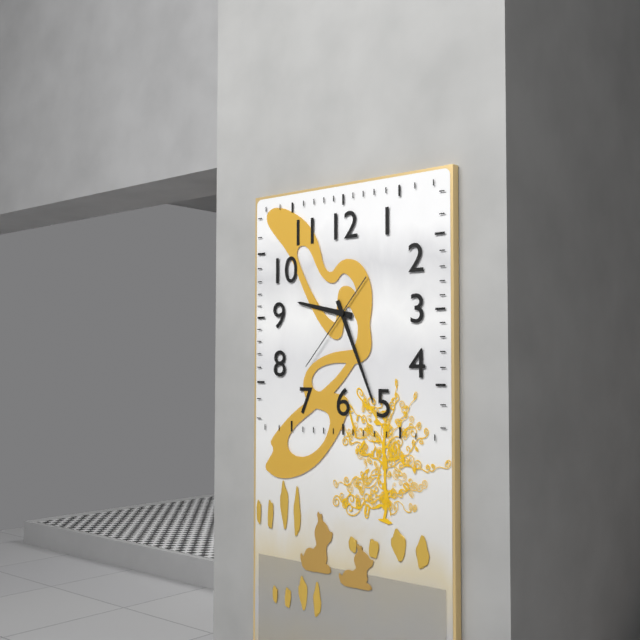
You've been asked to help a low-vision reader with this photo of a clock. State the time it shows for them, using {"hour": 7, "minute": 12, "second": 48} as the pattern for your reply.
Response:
{"hour": 9, "minute": 26, "second": 37}
